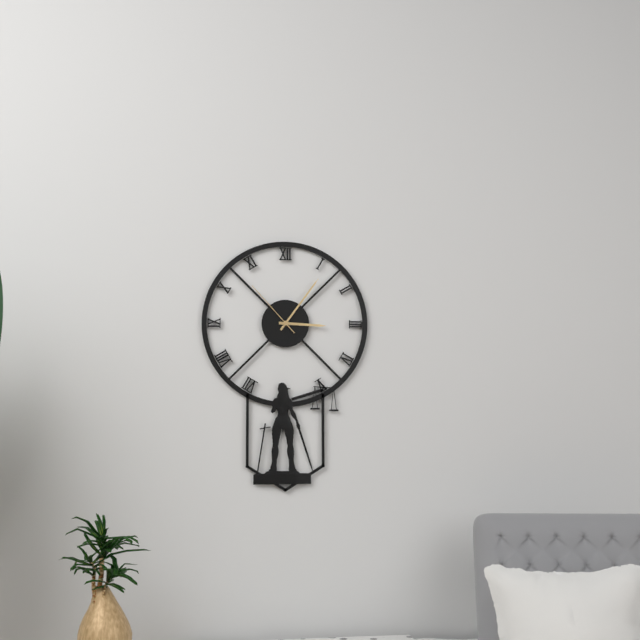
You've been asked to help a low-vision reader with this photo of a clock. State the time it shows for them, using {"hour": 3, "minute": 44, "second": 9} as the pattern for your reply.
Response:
{"hour": 3, "minute": 6, "second": 53}
